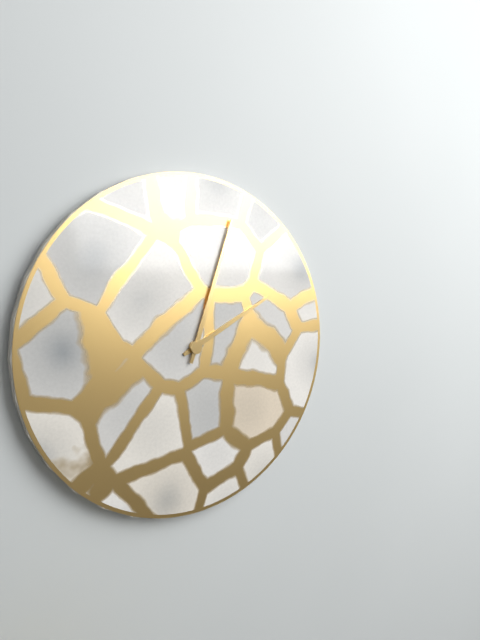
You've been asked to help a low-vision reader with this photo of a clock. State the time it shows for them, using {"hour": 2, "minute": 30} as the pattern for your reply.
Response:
{"hour": 2, "minute": 3}
